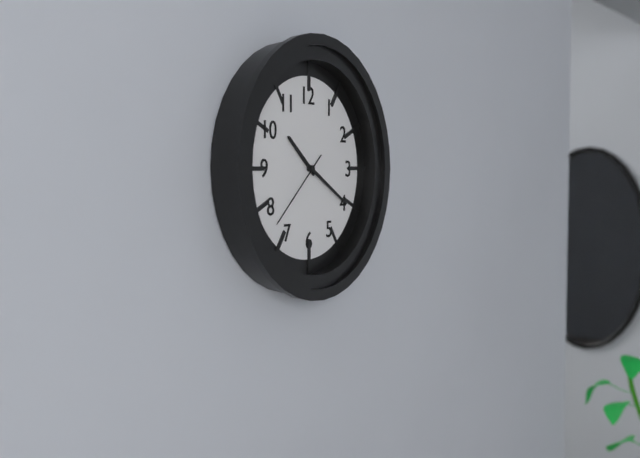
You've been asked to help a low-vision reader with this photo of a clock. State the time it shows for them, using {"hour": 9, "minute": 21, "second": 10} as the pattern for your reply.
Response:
{"hour": 10, "minute": 20, "second": 38}
